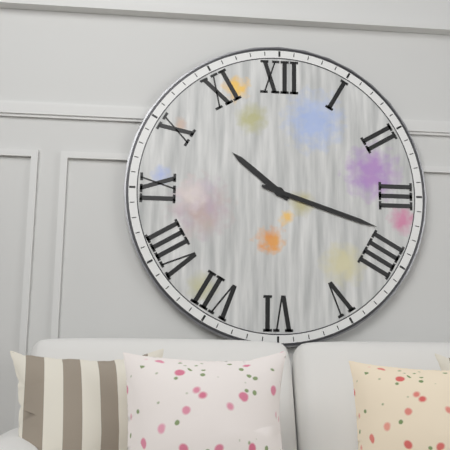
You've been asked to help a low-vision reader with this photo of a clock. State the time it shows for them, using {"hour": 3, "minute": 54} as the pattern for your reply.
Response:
{"hour": 10, "minute": 18}
